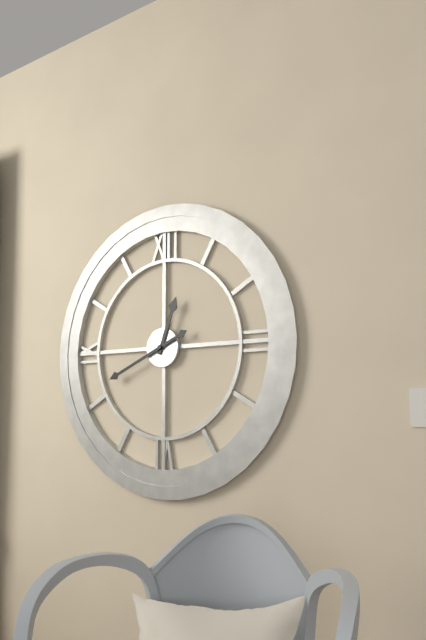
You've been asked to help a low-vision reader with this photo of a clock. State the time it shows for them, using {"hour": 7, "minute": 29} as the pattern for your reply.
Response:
{"hour": 12, "minute": 41}
